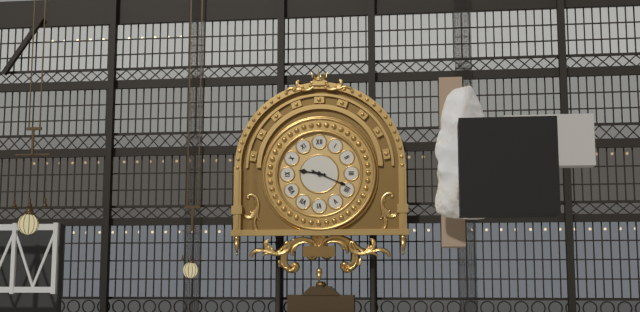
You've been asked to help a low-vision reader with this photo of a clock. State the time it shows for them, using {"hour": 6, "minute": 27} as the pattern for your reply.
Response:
{"hour": 9, "minute": 19}
